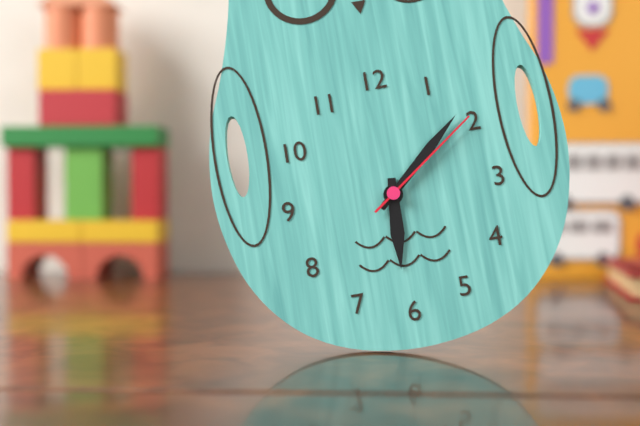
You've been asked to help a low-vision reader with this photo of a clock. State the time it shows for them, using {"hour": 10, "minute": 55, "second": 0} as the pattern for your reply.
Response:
{"hour": 6, "minute": 8, "second": 9}
